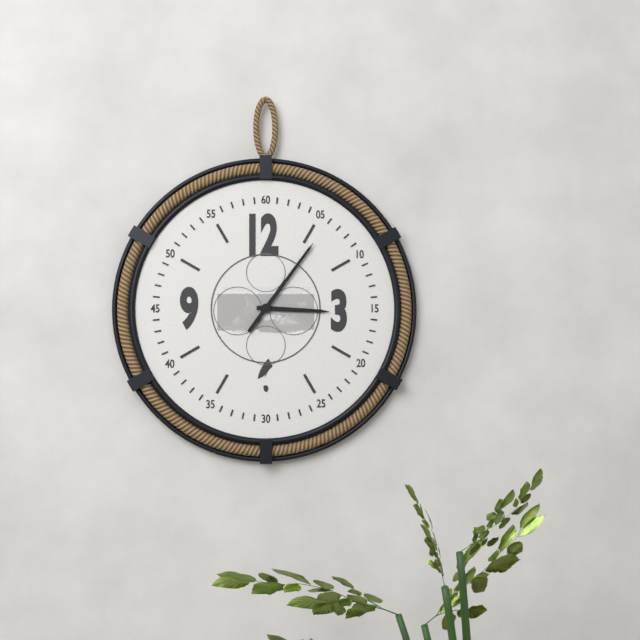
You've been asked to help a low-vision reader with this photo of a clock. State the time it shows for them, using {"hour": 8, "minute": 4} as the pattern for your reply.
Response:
{"hour": 3, "minute": 6}
